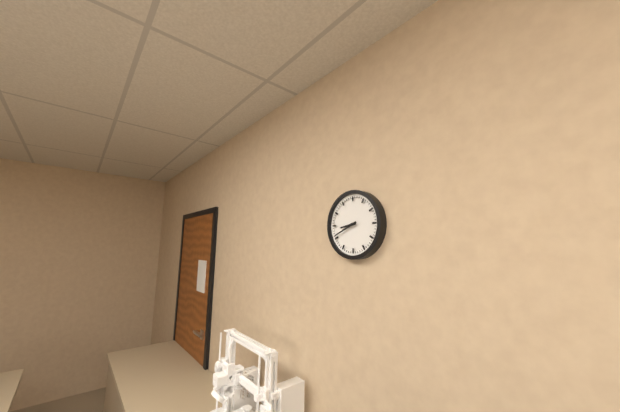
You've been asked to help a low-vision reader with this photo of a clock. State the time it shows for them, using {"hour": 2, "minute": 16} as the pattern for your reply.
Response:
{"hour": 8, "minute": 41}
